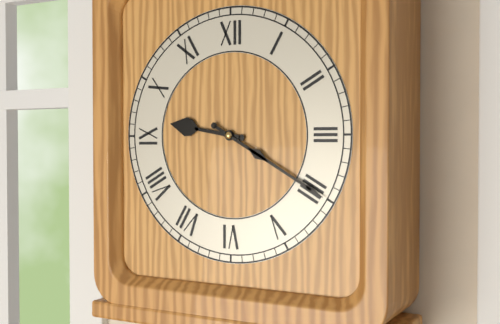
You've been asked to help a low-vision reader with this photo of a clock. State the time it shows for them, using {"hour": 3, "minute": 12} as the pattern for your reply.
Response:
{"hour": 9, "minute": 20}
